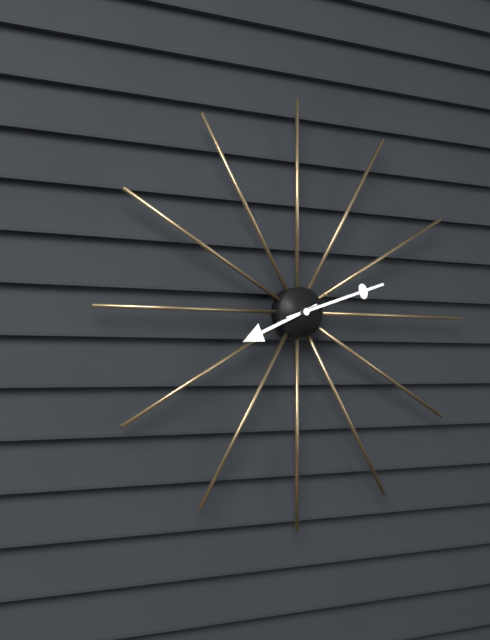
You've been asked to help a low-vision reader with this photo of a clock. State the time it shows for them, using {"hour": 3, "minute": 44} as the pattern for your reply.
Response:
{"hour": 8, "minute": 12}
